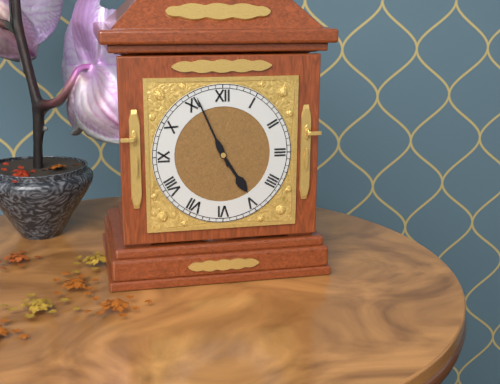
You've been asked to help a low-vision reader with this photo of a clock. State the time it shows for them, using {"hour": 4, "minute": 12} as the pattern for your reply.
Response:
{"hour": 4, "minute": 56}
